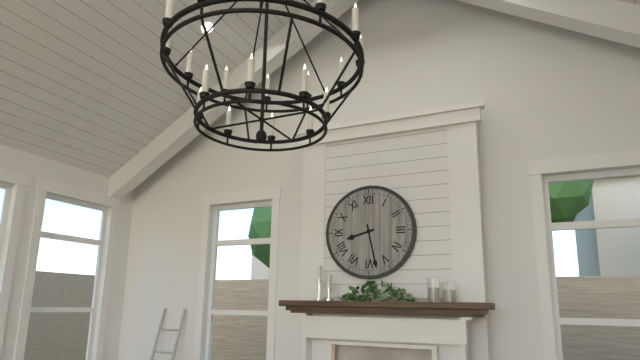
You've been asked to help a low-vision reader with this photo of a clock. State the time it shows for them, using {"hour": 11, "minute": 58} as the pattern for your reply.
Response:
{"hour": 8, "minute": 28}
